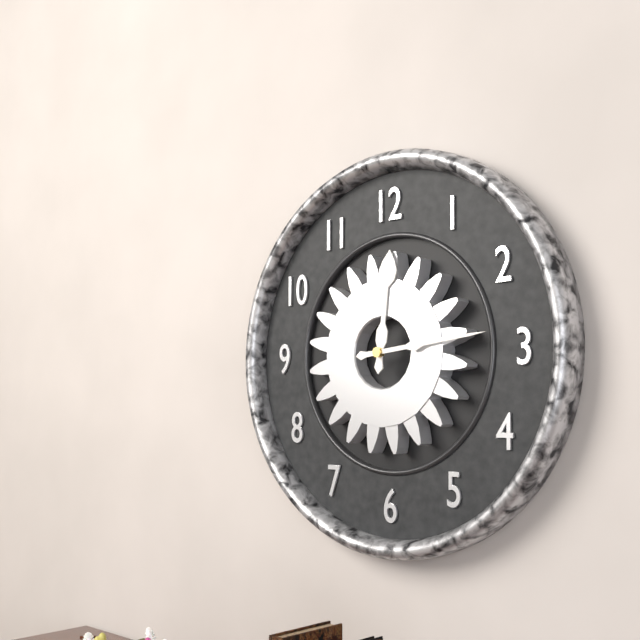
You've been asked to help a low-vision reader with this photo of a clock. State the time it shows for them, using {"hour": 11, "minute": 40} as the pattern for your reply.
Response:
{"hour": 12, "minute": 14}
